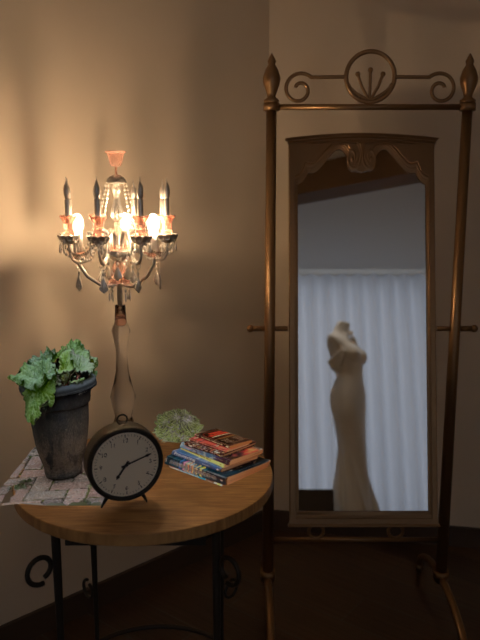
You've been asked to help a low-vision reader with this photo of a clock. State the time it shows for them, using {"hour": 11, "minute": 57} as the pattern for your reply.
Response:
{"hour": 7, "minute": 12}
